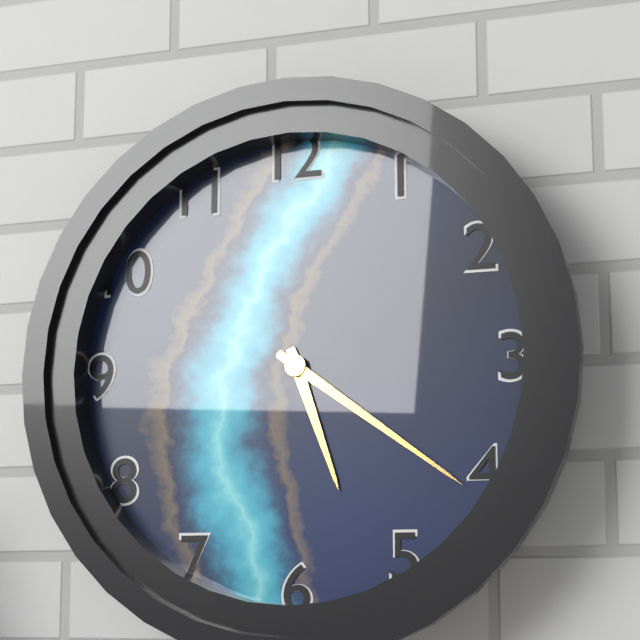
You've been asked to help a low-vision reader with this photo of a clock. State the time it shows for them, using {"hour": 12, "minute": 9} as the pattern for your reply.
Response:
{"hour": 5, "minute": 21}
